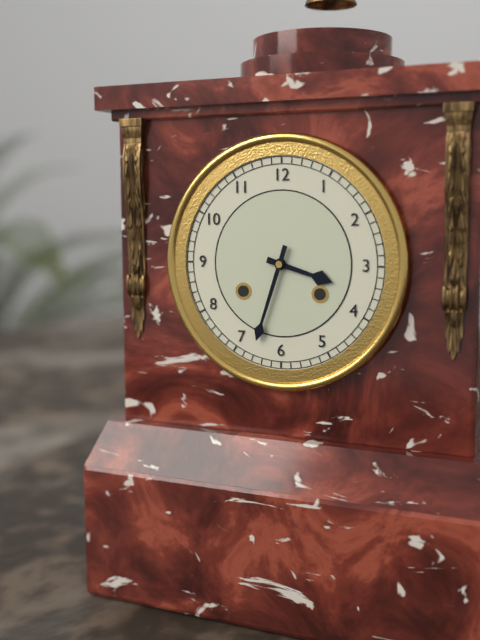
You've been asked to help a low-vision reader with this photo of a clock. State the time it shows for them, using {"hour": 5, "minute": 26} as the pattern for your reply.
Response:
{"hour": 3, "minute": 33}
